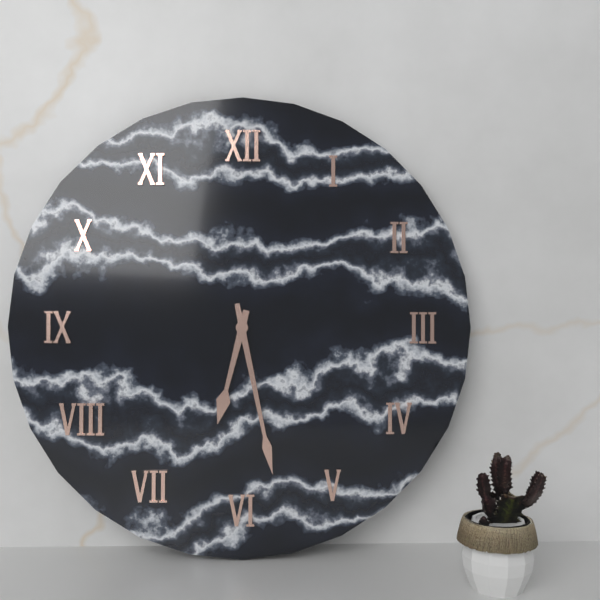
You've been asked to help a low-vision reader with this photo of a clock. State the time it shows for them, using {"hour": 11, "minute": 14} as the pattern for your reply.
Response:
{"hour": 6, "minute": 28}
